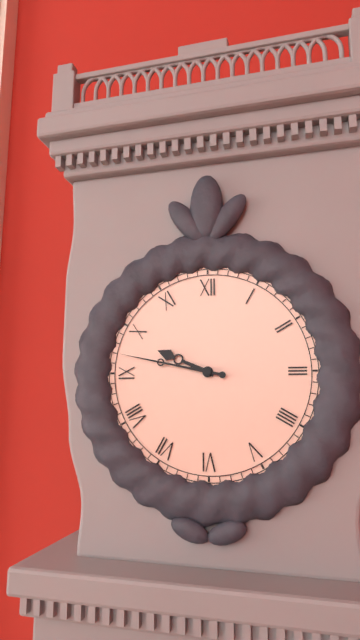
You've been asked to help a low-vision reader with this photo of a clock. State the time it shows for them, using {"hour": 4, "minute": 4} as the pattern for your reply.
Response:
{"hour": 9, "minute": 47}
